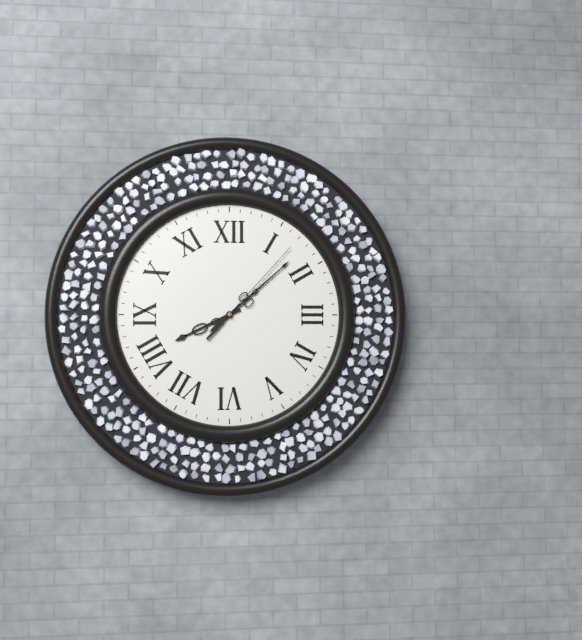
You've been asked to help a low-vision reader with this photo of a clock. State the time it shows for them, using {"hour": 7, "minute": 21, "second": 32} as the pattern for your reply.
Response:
{"hour": 8, "minute": 8, "second": 7}
